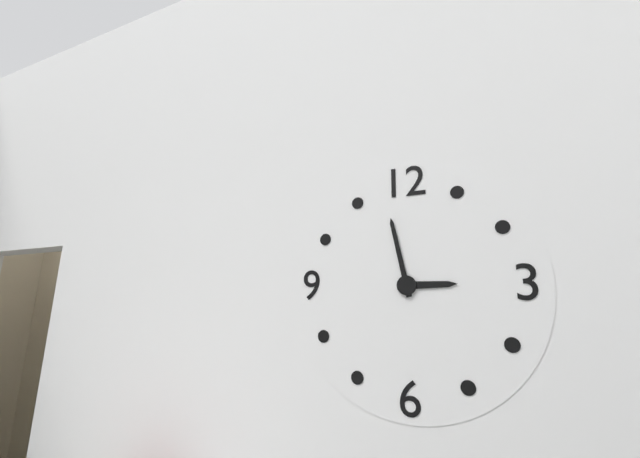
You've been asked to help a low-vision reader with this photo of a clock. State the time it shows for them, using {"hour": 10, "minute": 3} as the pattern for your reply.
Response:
{"hour": 2, "minute": 58}
